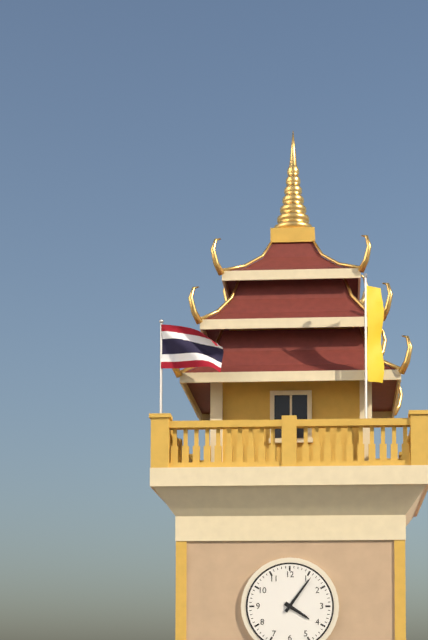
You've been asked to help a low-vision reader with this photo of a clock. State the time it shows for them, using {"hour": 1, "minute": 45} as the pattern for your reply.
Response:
{"hour": 4, "minute": 6}
